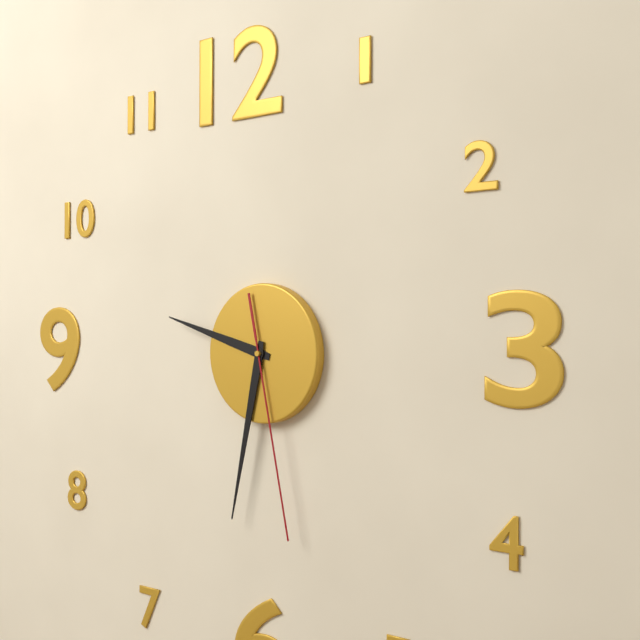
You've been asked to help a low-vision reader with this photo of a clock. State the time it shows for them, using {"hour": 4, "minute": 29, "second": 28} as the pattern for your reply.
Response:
{"hour": 9, "minute": 32, "second": 28}
